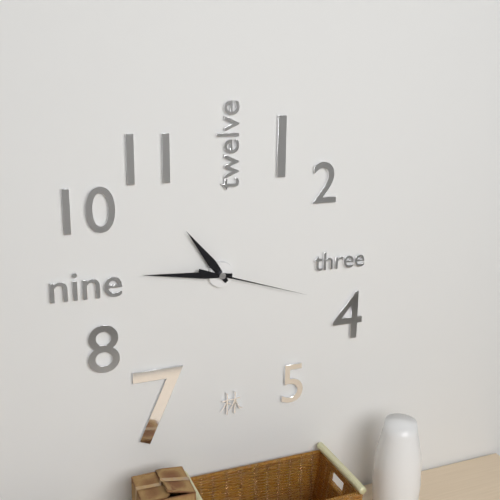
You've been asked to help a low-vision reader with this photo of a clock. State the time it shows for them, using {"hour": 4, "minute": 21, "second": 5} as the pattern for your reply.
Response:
{"hour": 10, "minute": 46, "second": 18}
